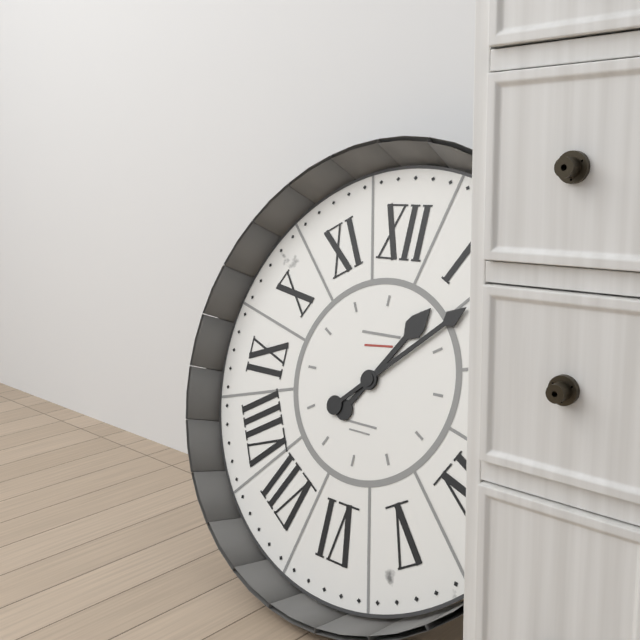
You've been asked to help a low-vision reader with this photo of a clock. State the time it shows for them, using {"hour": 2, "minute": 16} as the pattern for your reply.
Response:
{"hour": 1, "minute": 8}
